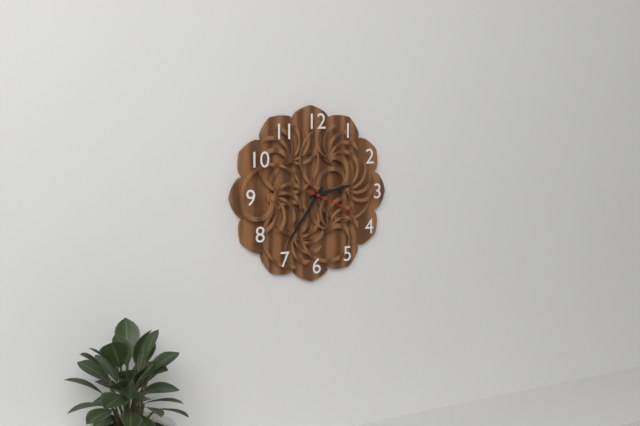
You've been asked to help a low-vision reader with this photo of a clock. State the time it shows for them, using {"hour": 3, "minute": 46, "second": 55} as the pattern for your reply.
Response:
{"hour": 2, "minute": 36, "second": 19}
